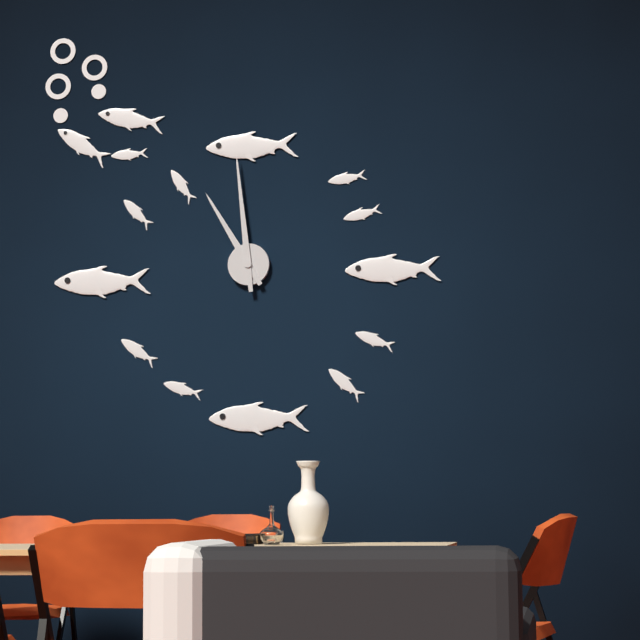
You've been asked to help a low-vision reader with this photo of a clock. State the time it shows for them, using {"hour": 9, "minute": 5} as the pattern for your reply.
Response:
{"hour": 10, "minute": 59}
